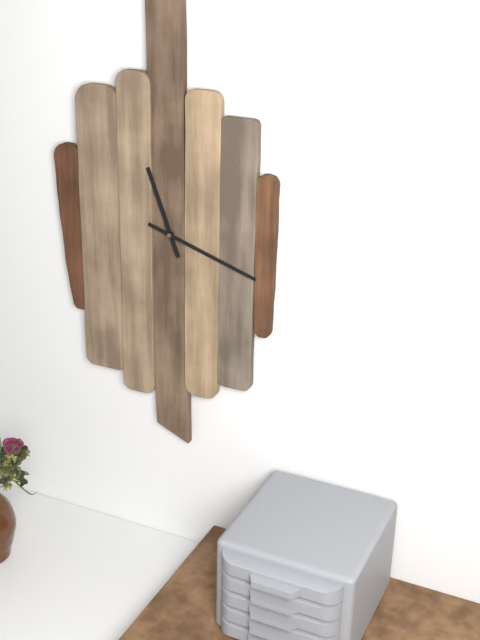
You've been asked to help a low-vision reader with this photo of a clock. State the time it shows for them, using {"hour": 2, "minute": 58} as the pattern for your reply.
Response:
{"hour": 11, "minute": 18}
